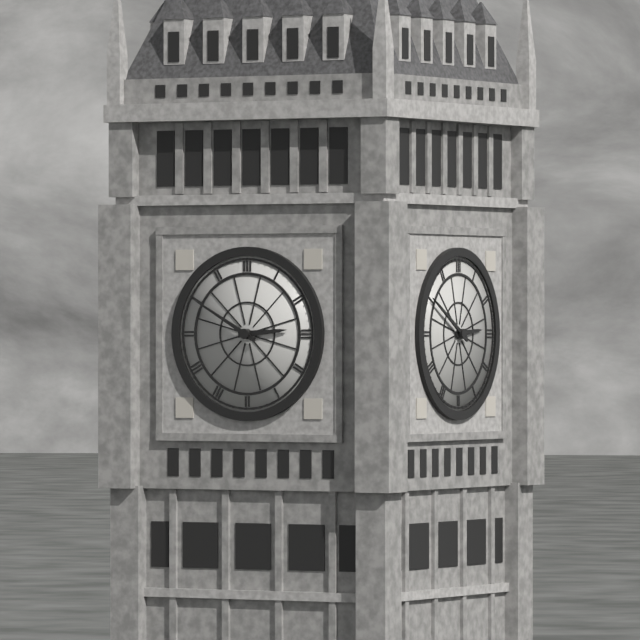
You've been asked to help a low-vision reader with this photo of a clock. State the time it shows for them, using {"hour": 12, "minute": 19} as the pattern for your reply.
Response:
{"hour": 2, "minute": 50}
